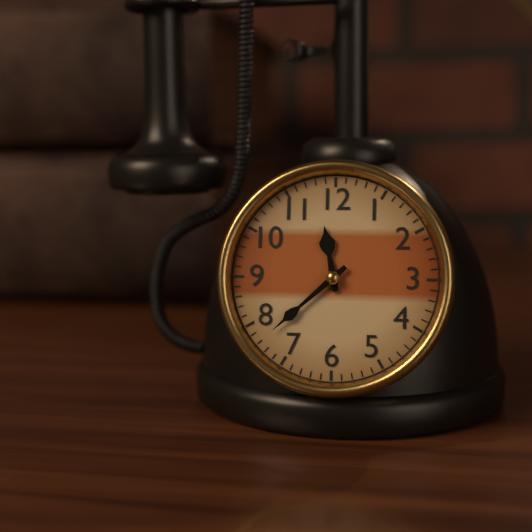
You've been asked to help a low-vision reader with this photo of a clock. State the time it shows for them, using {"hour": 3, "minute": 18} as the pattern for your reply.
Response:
{"hour": 11, "minute": 38}
